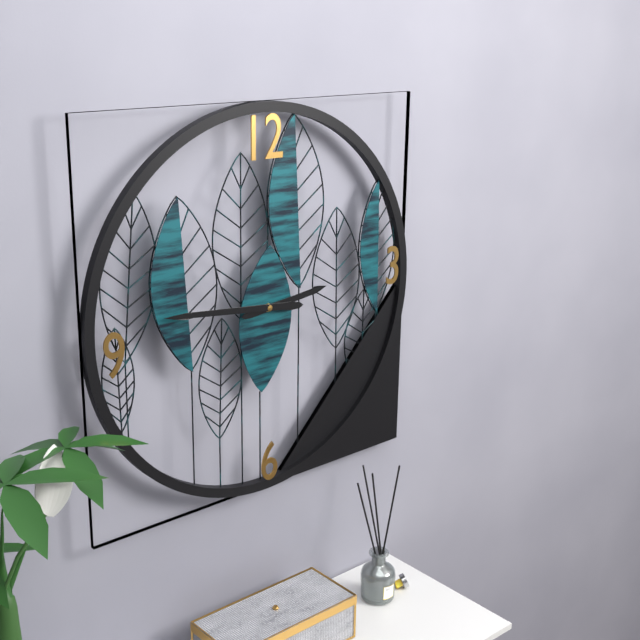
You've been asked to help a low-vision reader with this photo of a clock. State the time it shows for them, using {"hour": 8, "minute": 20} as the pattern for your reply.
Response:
{"hour": 2, "minute": 46}
